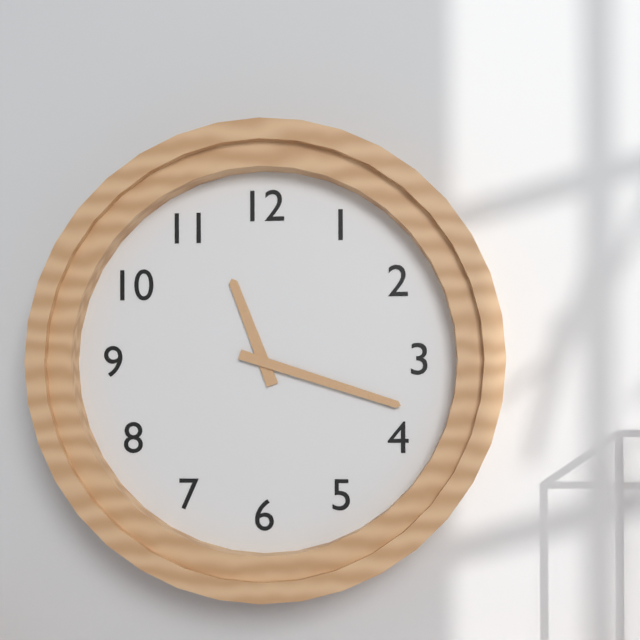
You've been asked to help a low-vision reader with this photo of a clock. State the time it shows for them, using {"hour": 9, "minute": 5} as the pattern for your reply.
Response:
{"hour": 11, "minute": 18}
